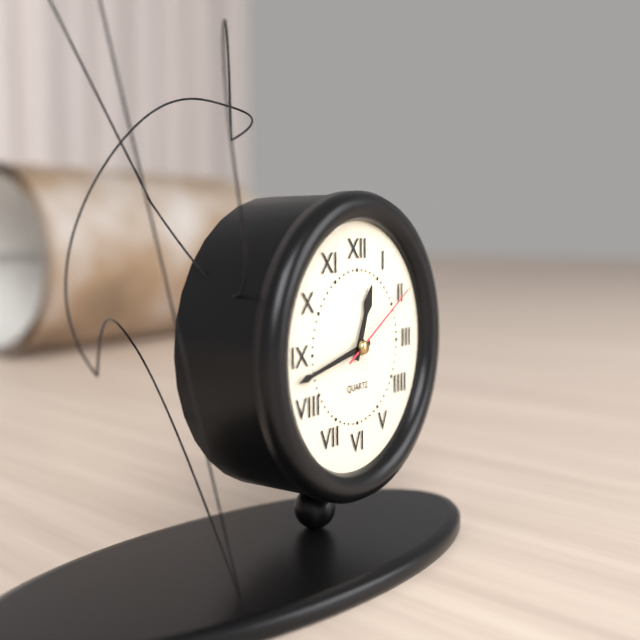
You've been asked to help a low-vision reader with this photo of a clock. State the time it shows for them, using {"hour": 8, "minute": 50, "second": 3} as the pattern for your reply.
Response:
{"hour": 12, "minute": 43, "second": 10}
